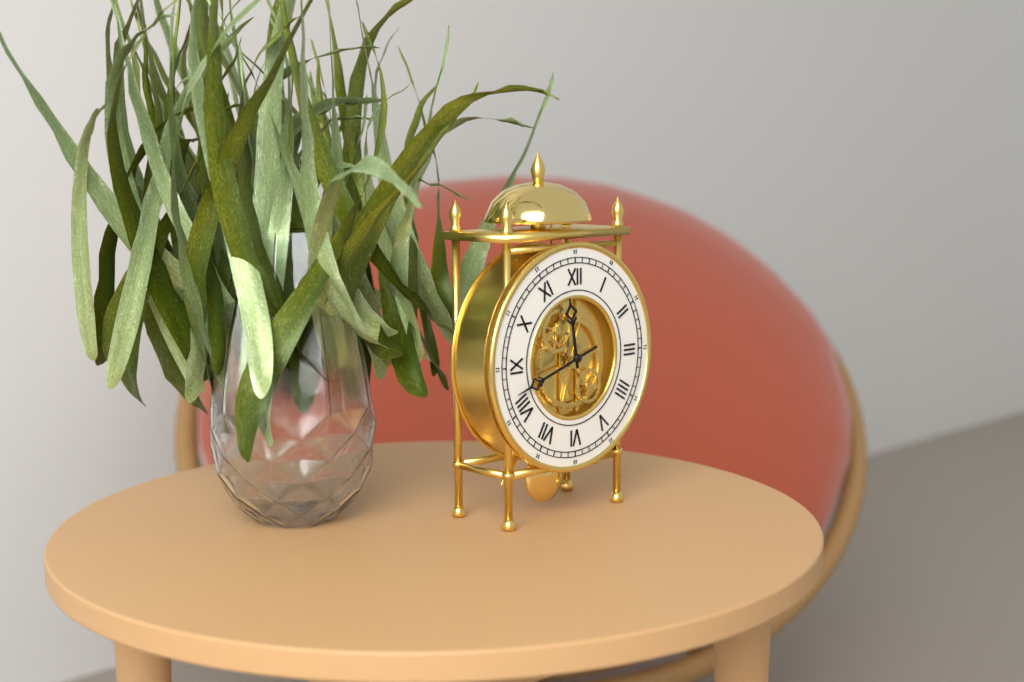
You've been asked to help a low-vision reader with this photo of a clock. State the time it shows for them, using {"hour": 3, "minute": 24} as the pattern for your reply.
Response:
{"hour": 11, "minute": 42}
